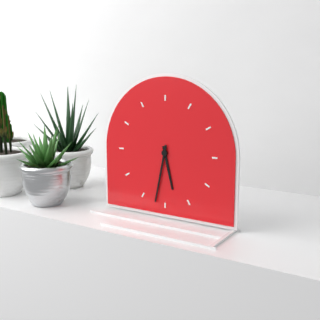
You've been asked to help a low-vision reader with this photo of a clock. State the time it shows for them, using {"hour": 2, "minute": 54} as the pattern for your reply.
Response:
{"hour": 5, "minute": 32}
